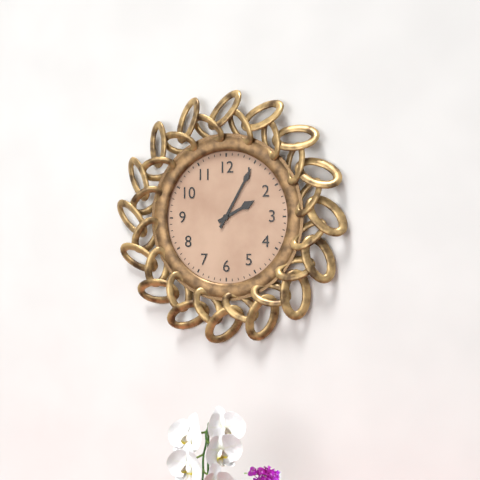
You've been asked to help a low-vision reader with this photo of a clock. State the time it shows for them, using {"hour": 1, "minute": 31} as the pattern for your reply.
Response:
{"hour": 2, "minute": 5}
